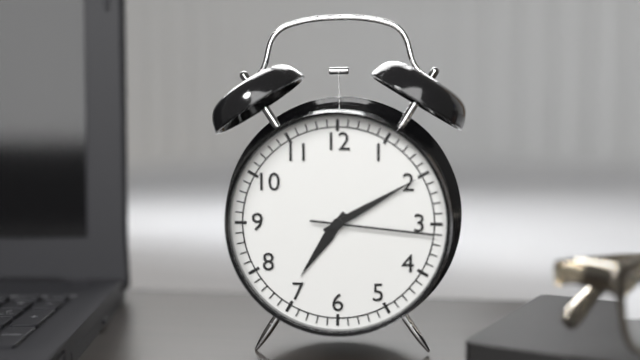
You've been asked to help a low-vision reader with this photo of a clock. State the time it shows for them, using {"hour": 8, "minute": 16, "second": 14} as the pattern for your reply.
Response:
{"hour": 7, "minute": 10, "second": 16}
